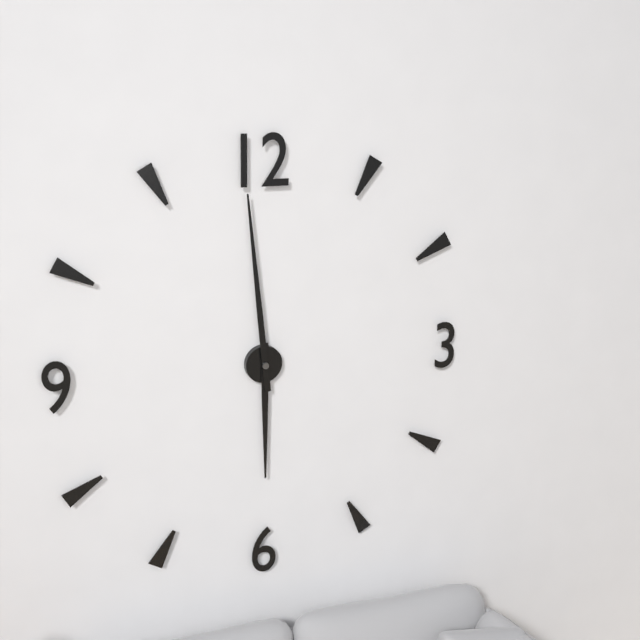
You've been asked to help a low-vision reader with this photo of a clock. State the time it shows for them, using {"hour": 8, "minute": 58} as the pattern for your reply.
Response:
{"hour": 5, "minute": 59}
